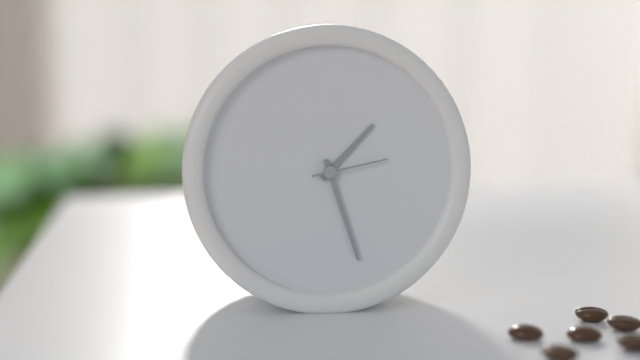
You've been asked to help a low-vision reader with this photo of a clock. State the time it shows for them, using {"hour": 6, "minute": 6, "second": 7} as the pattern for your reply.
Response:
{"hour": 1, "minute": 27, "second": 13}
